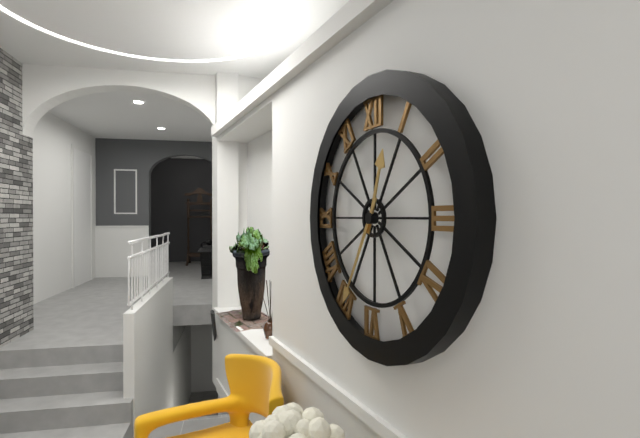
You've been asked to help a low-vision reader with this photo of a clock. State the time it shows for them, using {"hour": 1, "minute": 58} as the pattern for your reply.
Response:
{"hour": 12, "minute": 35}
